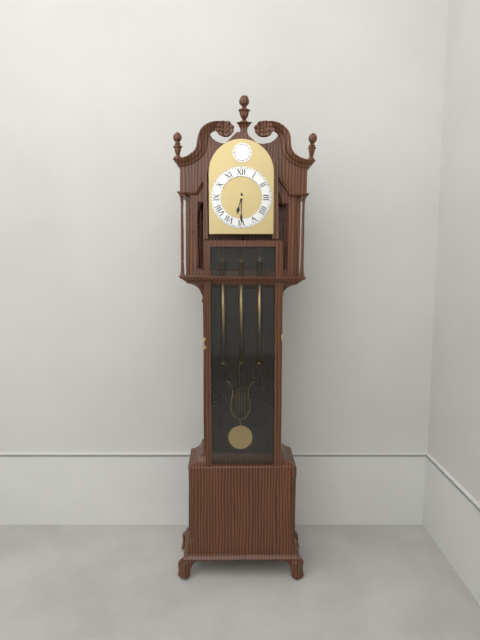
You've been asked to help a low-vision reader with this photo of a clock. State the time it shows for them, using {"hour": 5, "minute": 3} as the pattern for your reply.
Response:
{"hour": 6, "minute": 30}
